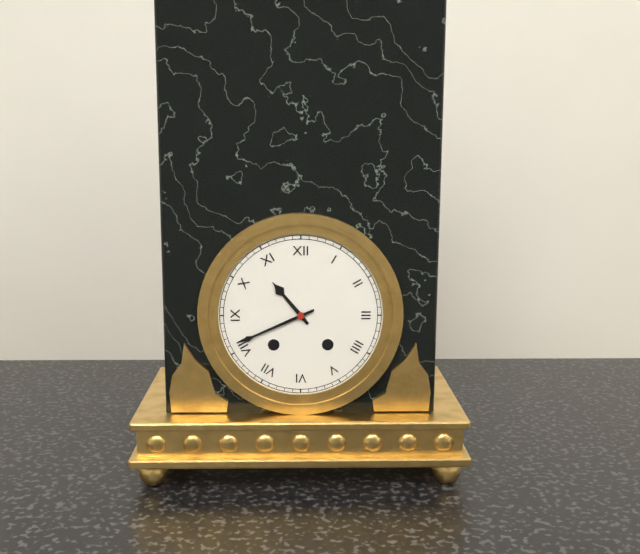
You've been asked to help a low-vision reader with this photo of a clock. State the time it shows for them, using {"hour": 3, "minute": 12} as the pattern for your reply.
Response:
{"hour": 10, "minute": 41}
